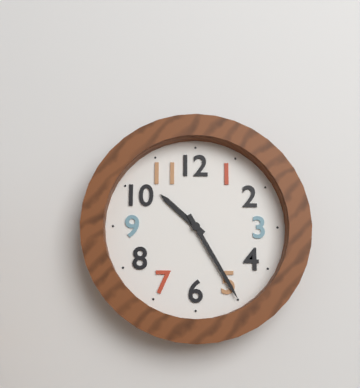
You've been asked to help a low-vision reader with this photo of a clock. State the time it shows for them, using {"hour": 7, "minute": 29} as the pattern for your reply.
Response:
{"hour": 10, "minute": 25}
